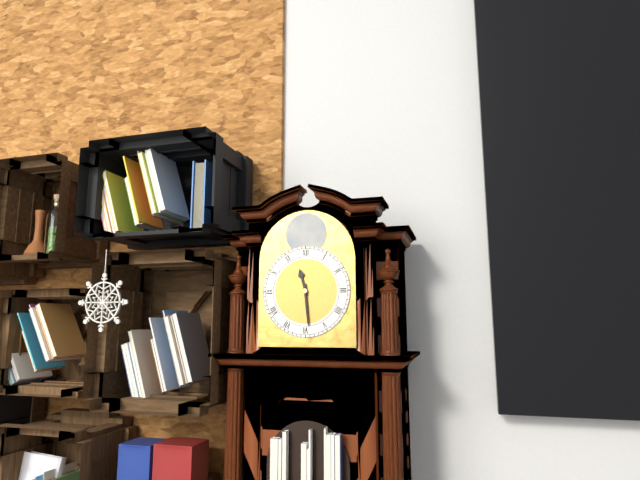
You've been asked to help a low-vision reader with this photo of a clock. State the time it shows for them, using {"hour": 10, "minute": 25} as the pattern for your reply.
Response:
{"hour": 11, "minute": 29}
